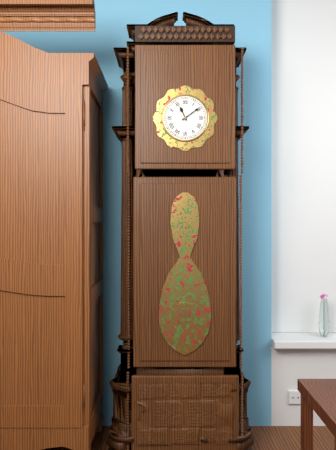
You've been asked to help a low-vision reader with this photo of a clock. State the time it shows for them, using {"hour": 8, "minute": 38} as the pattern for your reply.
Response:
{"hour": 11, "minute": 9}
